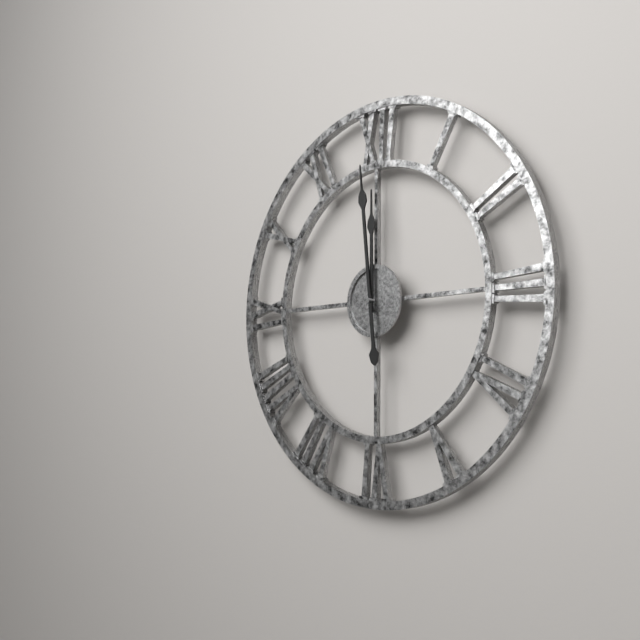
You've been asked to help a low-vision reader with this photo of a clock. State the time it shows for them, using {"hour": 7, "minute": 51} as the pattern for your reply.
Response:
{"hour": 11, "minute": 59}
